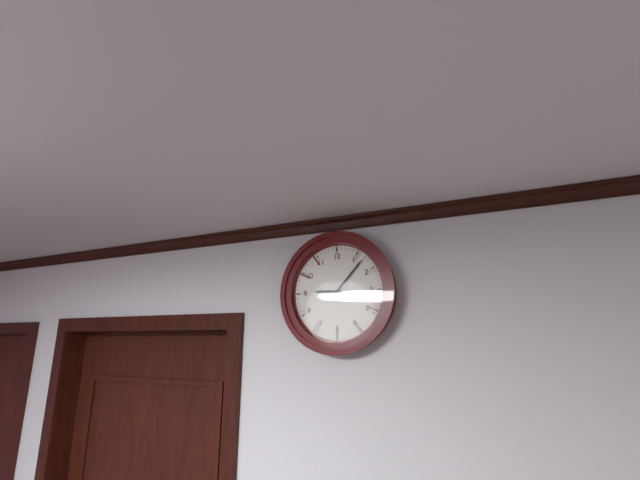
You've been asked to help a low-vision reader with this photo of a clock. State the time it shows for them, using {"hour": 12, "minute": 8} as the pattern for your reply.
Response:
{"hour": 9, "minute": 7}
